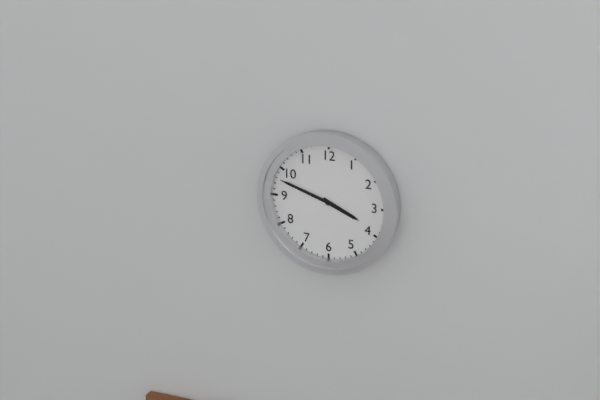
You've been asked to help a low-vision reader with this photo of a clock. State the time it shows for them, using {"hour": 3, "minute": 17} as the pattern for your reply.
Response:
{"hour": 3, "minute": 48}
